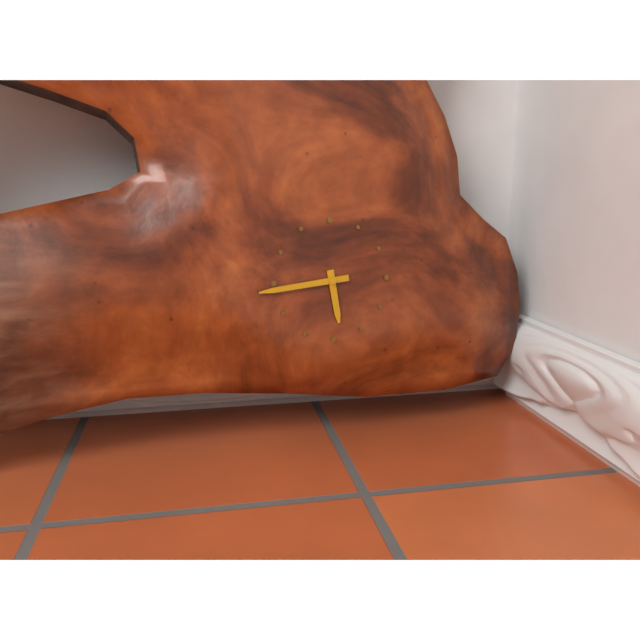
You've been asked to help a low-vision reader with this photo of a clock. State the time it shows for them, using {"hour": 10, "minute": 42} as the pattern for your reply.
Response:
{"hour": 5, "minute": 44}
